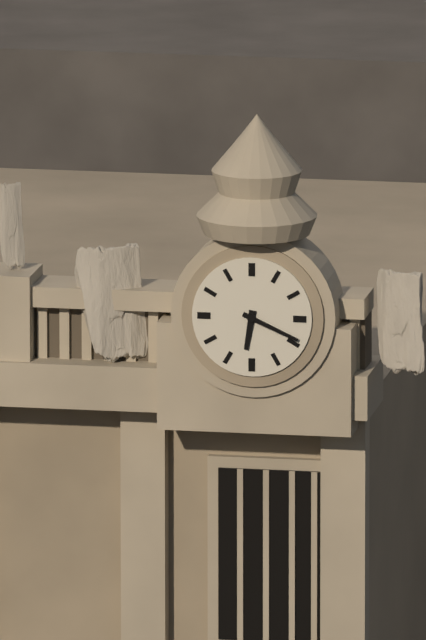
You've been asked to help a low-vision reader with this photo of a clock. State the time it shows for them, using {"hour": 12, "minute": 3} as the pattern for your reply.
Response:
{"hour": 6, "minute": 19}
